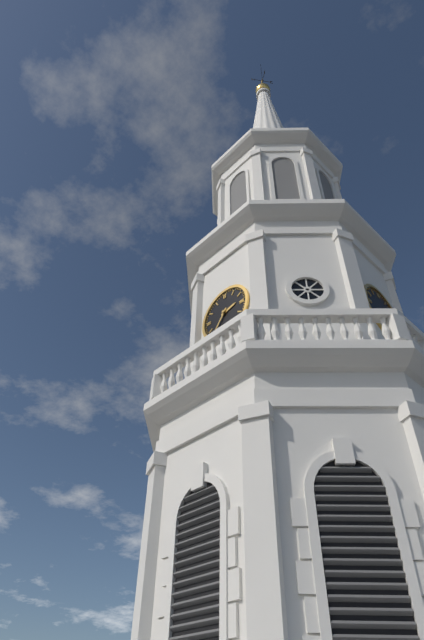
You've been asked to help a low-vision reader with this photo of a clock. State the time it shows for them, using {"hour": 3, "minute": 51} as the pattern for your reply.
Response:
{"hour": 2, "minute": 36}
